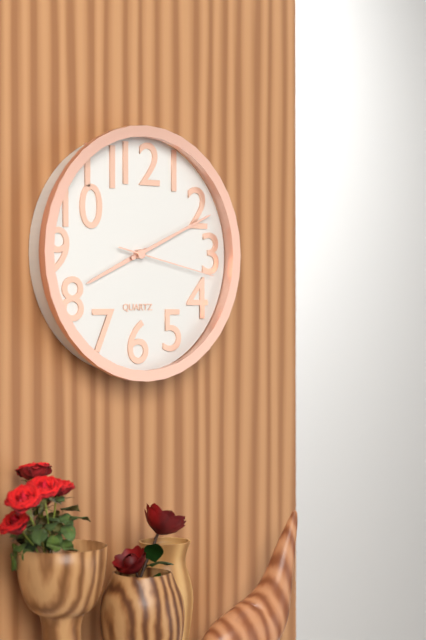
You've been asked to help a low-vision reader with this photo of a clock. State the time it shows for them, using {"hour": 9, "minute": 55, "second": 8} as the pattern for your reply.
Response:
{"hour": 8, "minute": 11, "second": 17}
